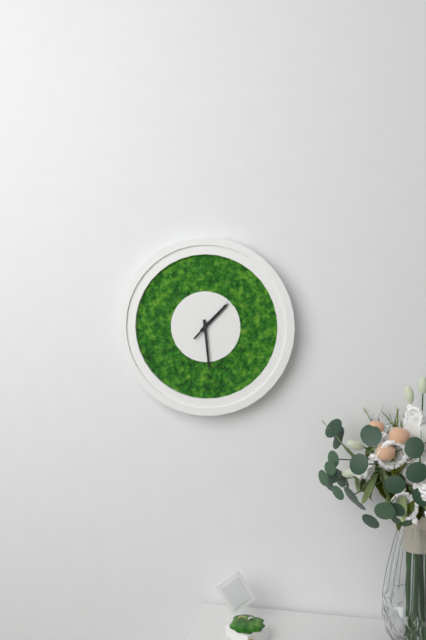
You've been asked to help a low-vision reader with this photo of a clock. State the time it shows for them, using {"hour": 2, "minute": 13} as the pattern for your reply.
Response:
{"hour": 1, "minute": 29}
